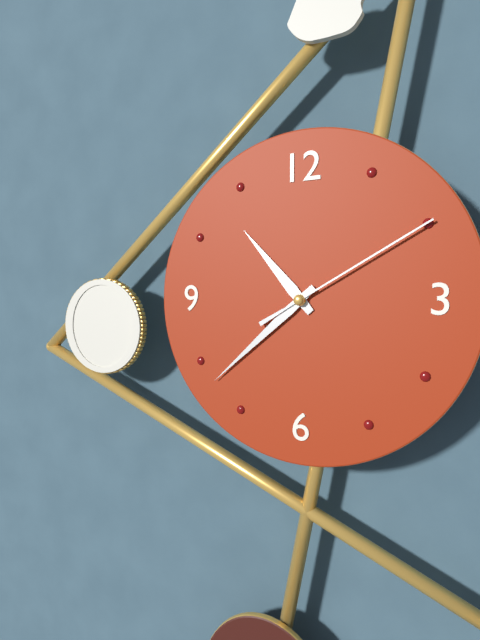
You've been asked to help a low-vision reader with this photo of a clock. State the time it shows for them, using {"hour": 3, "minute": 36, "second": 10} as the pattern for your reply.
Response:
{"hour": 10, "minute": 38, "second": 10}
